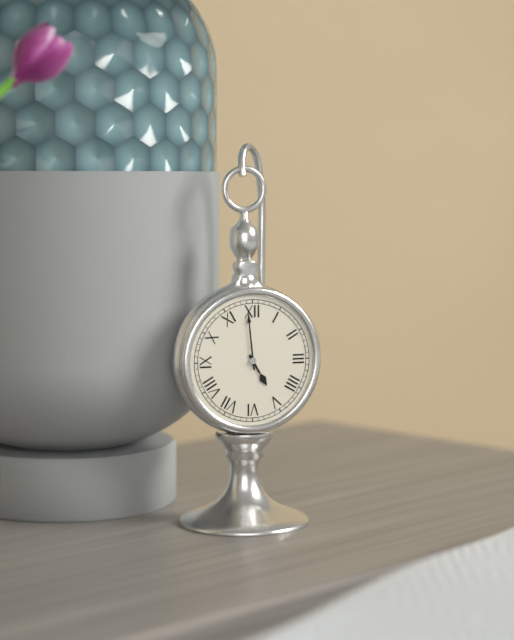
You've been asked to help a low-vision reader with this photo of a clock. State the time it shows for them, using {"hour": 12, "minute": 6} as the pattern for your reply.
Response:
{"hour": 4, "minute": 59}
